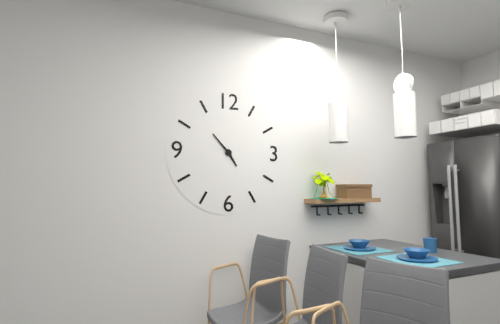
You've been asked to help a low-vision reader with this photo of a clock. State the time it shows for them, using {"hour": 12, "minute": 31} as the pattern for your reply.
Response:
{"hour": 4, "minute": 53}
